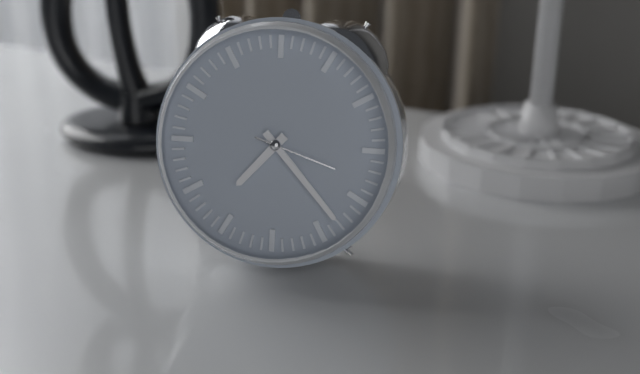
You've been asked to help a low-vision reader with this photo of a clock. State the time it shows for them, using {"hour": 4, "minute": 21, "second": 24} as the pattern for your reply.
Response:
{"hour": 7, "minute": 23, "second": 18}
